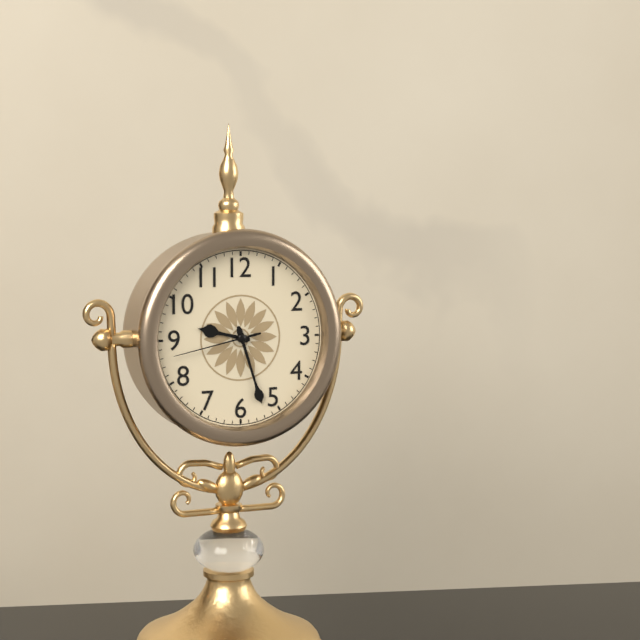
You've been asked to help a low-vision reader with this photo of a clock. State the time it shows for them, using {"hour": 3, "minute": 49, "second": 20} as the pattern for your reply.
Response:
{"hour": 9, "minute": 27, "second": 43}
